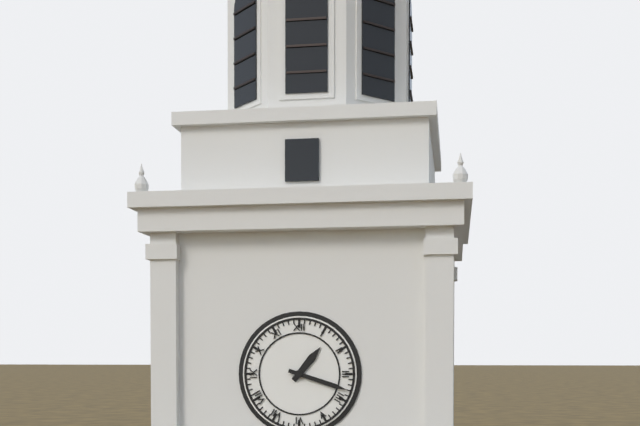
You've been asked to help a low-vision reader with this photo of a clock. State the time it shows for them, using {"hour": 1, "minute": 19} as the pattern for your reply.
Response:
{"hour": 1, "minute": 18}
